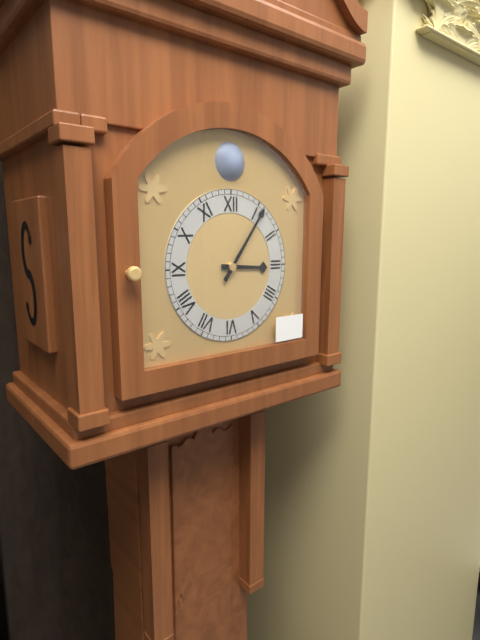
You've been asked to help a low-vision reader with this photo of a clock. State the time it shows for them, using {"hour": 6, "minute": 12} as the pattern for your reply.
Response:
{"hour": 3, "minute": 6}
